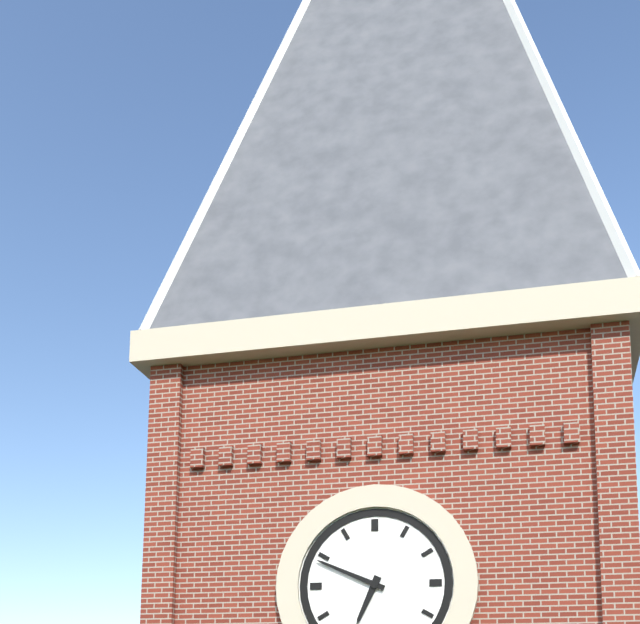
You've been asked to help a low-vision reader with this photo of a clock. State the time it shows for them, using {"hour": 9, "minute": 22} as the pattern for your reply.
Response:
{"hour": 6, "minute": 49}
